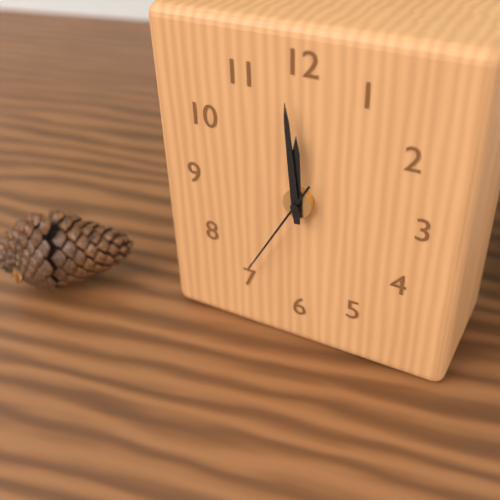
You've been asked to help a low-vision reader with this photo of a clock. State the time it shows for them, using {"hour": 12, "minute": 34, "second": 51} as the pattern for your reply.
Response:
{"hour": 11, "minute": 59, "second": 35}
